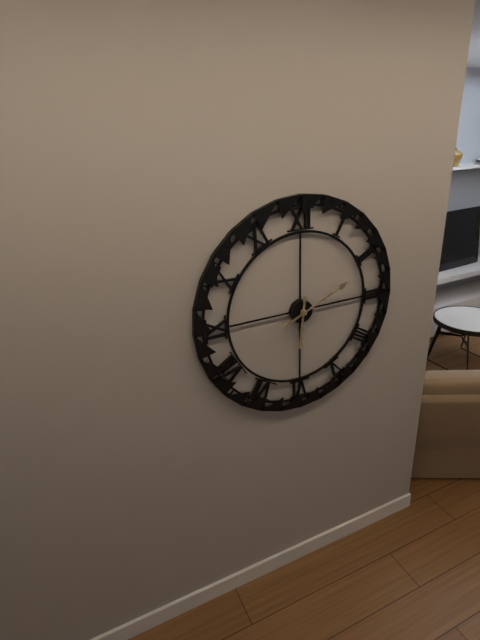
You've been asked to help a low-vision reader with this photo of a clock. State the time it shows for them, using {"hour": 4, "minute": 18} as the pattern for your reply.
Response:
{"hour": 6, "minute": 11}
